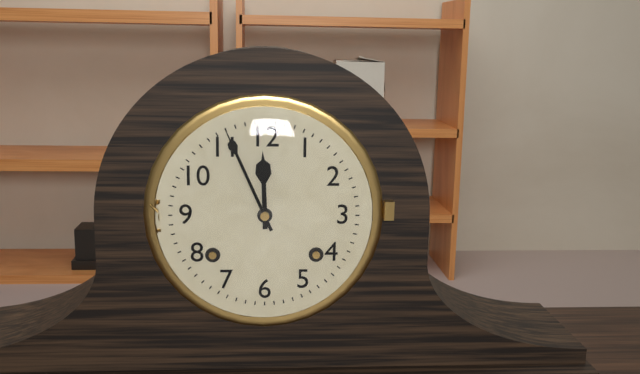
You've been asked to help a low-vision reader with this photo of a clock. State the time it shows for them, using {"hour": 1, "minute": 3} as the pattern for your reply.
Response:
{"hour": 11, "minute": 56}
